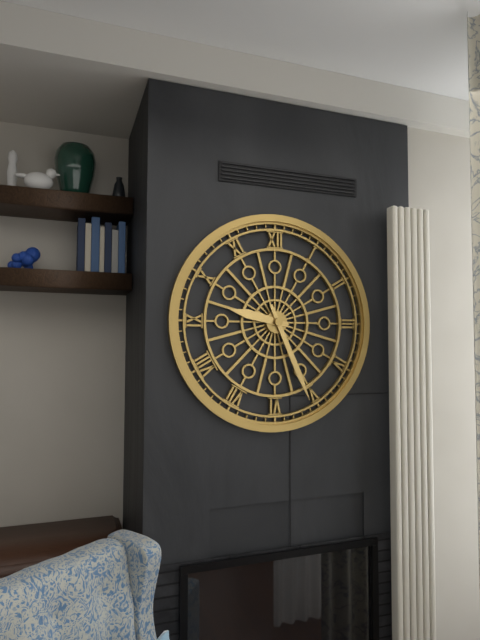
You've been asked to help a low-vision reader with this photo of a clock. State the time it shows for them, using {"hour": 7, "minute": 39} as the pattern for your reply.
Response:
{"hour": 9, "minute": 26}
